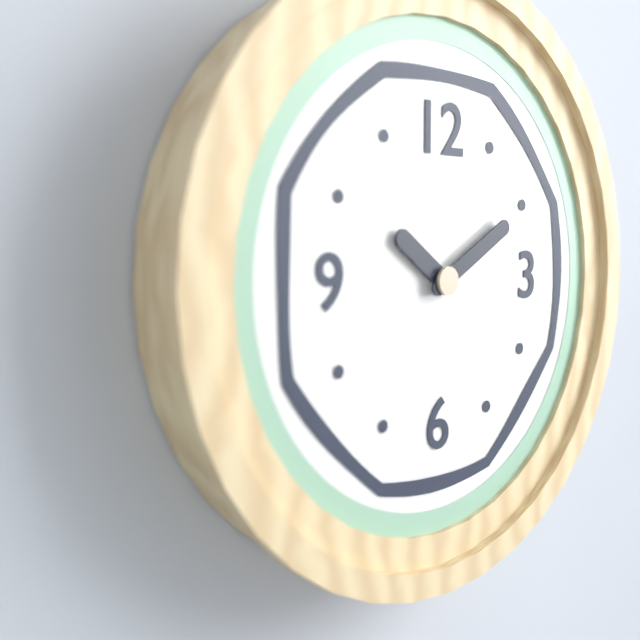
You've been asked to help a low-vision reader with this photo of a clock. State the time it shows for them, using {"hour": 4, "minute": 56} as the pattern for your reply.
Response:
{"hour": 10, "minute": 10}
